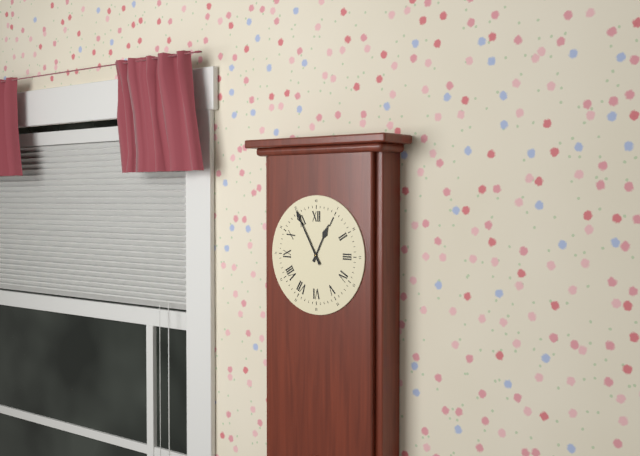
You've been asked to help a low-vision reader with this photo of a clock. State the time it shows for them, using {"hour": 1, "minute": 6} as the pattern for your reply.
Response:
{"hour": 12, "minute": 55}
